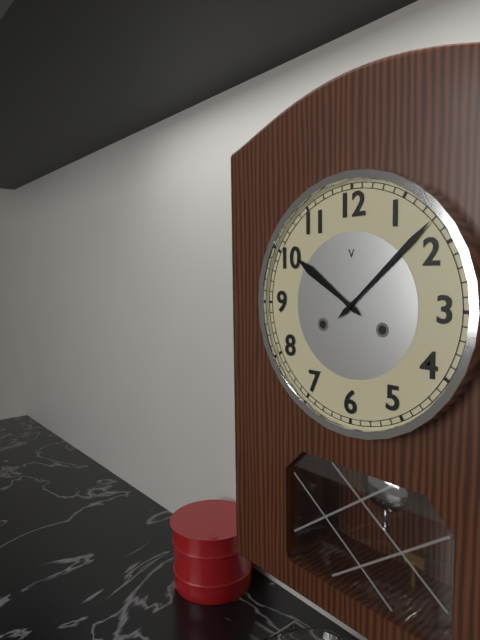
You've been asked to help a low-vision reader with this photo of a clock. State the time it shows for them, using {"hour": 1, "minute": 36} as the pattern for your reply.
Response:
{"hour": 10, "minute": 8}
